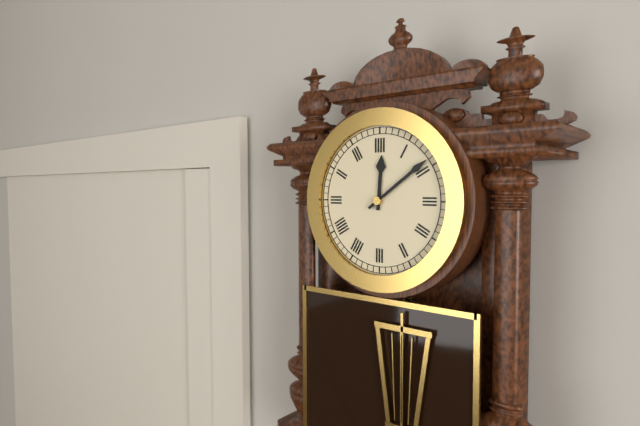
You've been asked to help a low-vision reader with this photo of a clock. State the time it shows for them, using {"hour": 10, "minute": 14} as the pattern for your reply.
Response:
{"hour": 12, "minute": 9}
